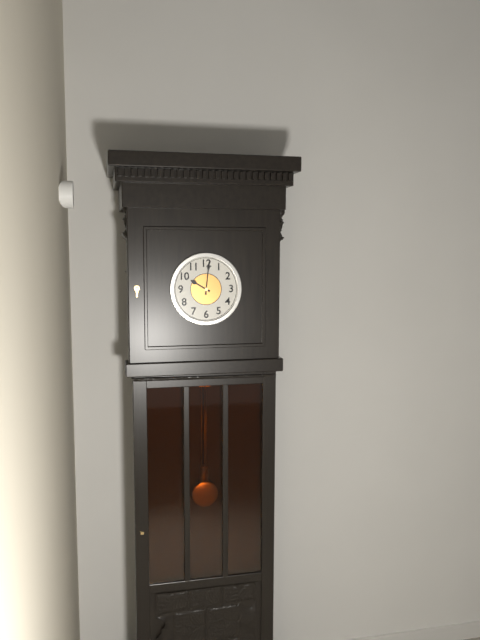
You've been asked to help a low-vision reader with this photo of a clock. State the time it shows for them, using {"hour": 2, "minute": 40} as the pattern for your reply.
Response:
{"hour": 10, "minute": 1}
